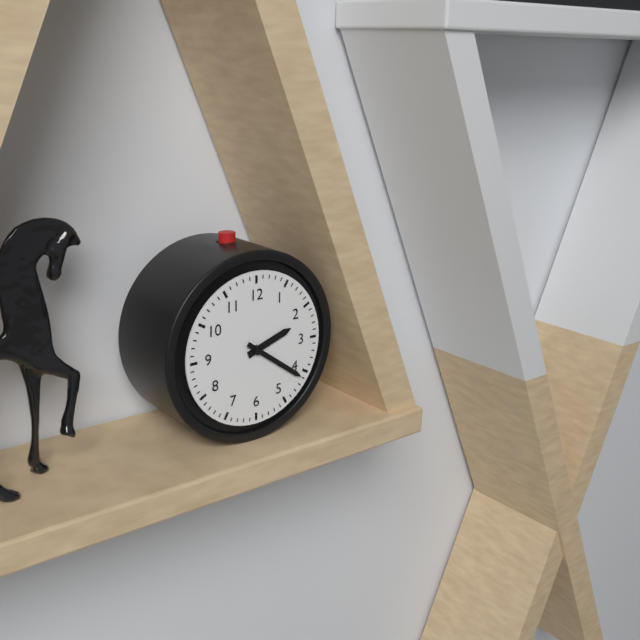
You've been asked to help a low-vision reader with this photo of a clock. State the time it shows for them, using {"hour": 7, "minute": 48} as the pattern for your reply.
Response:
{"hour": 2, "minute": 21}
